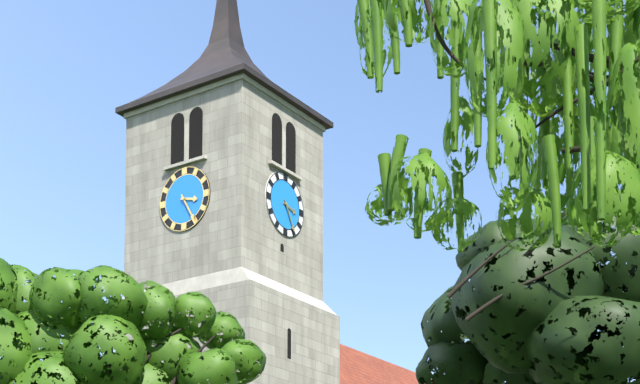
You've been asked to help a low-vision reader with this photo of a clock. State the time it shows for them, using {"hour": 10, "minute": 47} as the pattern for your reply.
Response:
{"hour": 3, "minute": 25}
